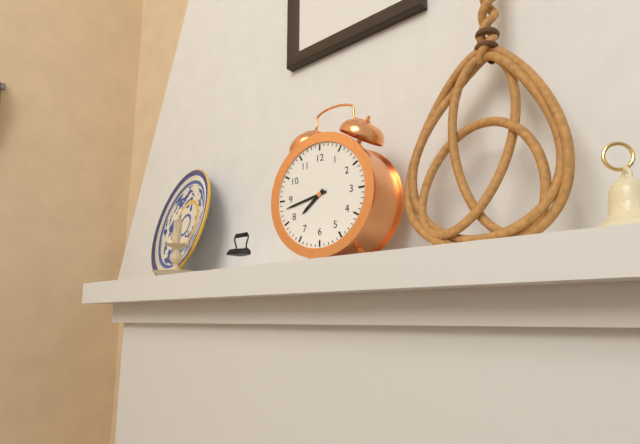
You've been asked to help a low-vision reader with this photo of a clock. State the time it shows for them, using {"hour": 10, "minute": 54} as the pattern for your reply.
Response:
{"hour": 7, "minute": 43}
